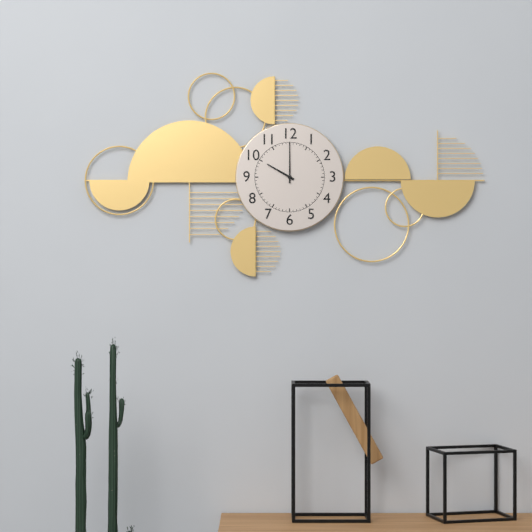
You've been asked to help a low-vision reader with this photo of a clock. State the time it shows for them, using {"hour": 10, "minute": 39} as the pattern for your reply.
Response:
{"hour": 10, "minute": 0}
